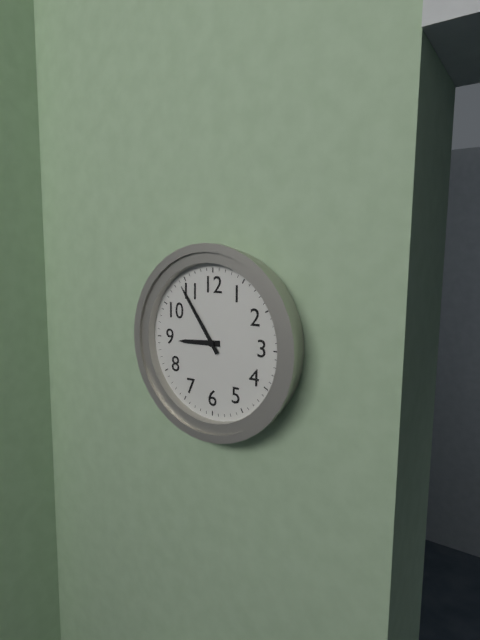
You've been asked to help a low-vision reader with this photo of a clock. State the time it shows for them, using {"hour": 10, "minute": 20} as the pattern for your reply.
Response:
{"hour": 8, "minute": 54}
